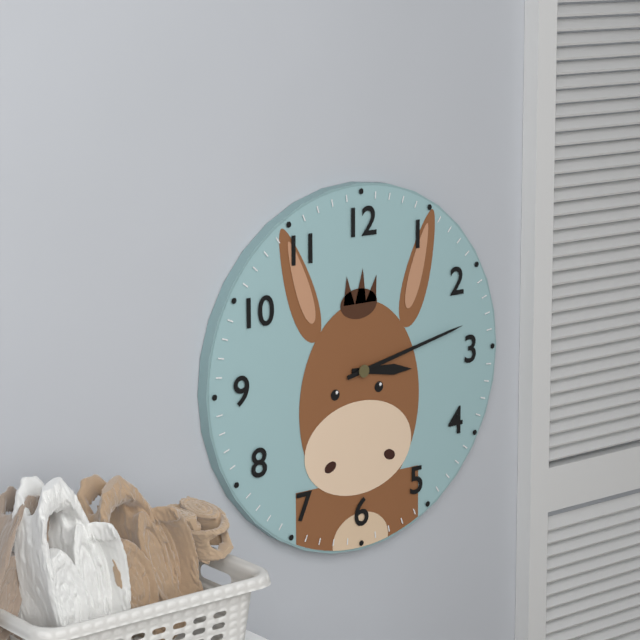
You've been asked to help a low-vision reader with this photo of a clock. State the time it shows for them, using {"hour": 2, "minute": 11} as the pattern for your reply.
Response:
{"hour": 3, "minute": 13}
